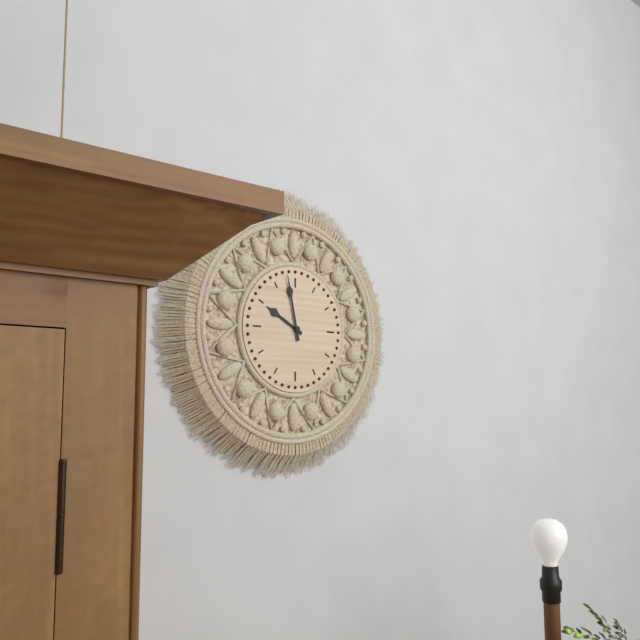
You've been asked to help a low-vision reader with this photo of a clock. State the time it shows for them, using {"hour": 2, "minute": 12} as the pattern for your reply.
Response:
{"hour": 9, "minute": 58}
